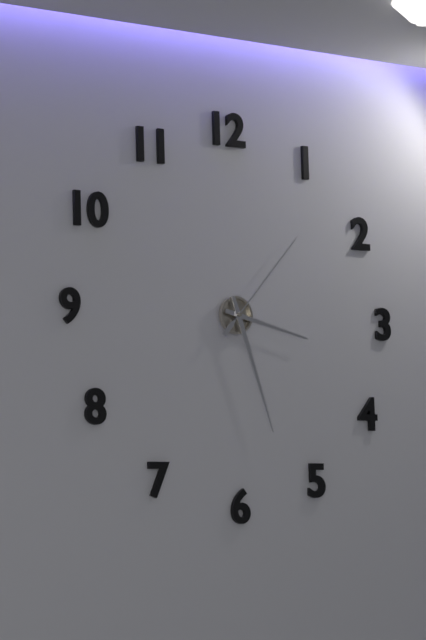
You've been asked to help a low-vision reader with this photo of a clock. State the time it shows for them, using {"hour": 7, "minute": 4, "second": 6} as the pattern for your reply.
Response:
{"hour": 3, "minute": 27, "second": 7}
